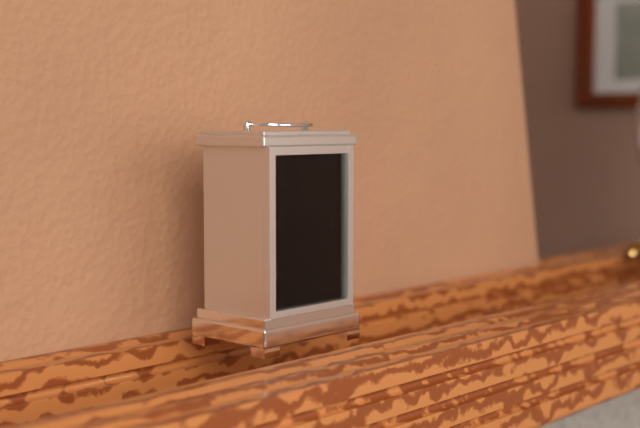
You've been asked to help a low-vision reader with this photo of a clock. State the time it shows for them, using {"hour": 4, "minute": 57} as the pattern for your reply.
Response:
{"hour": 9, "minute": 11}
